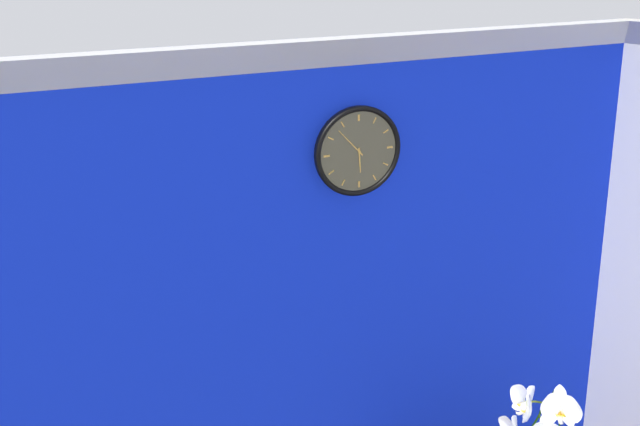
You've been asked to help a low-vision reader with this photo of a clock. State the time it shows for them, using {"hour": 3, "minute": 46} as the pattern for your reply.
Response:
{"hour": 5, "minute": 53}
